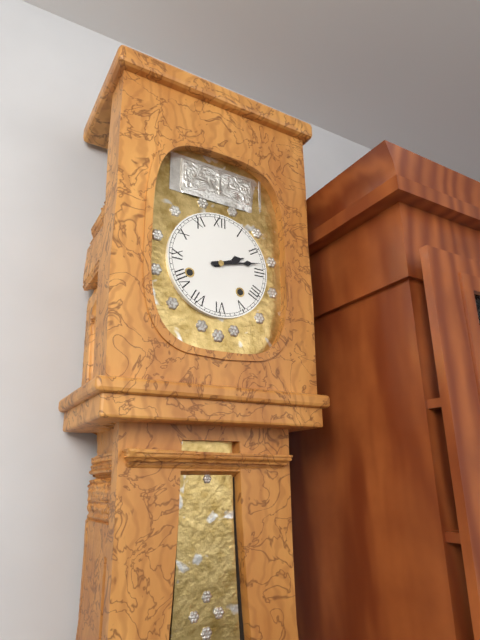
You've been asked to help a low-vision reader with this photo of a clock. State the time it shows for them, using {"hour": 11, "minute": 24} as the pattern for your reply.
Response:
{"hour": 2, "minute": 13}
